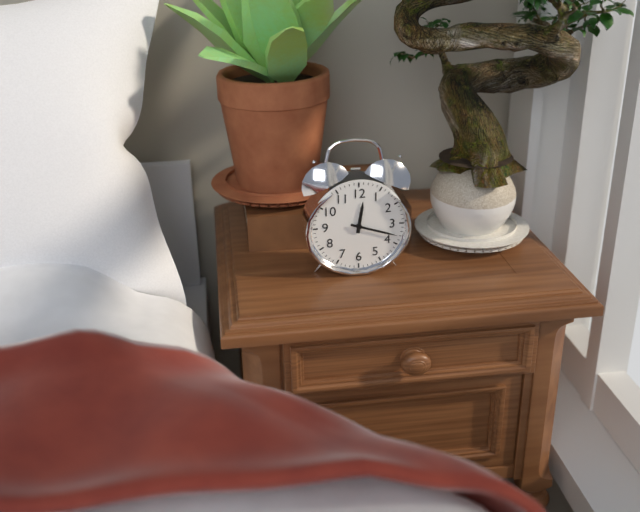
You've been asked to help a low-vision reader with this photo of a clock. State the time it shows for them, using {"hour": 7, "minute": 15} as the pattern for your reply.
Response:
{"hour": 12, "minute": 18}
